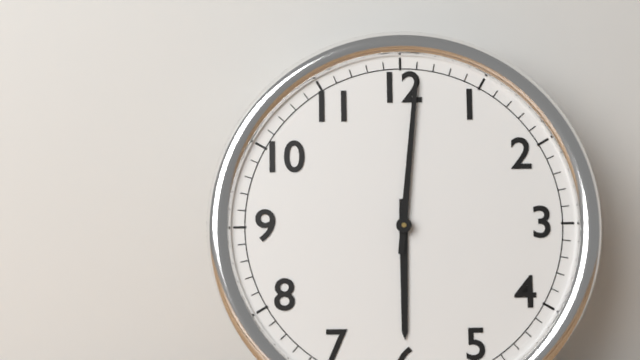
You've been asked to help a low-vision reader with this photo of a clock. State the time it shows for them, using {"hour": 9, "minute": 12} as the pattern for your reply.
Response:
{"hour": 6, "minute": 1}
